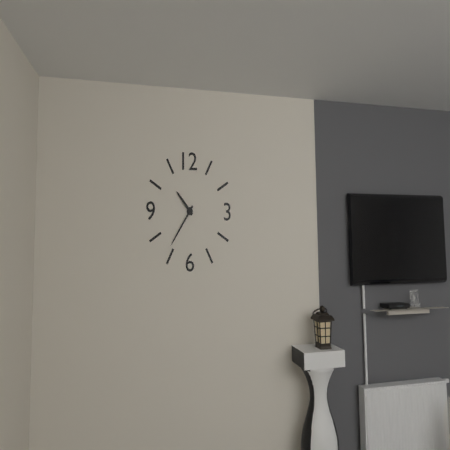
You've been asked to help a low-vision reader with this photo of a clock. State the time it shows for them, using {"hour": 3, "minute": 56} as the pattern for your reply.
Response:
{"hour": 10, "minute": 36}
